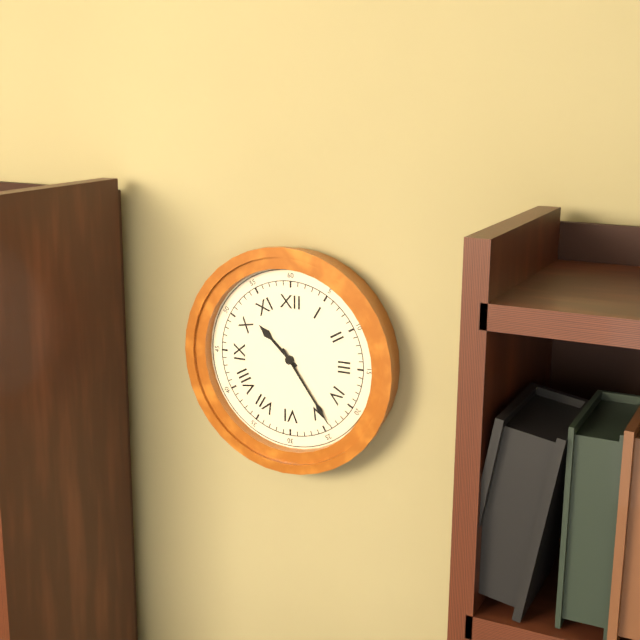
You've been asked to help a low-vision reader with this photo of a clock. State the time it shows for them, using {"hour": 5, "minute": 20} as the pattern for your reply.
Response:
{"hour": 10, "minute": 24}
